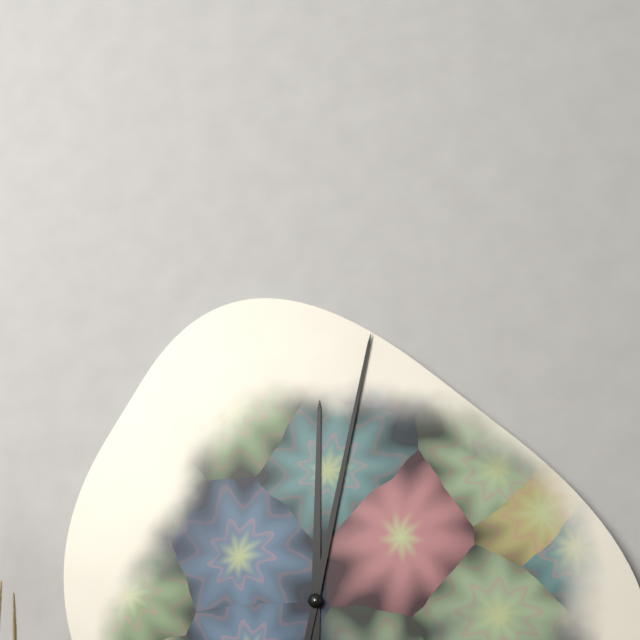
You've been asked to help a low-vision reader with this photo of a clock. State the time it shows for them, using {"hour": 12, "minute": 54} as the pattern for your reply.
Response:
{"hour": 12, "minute": 2}
